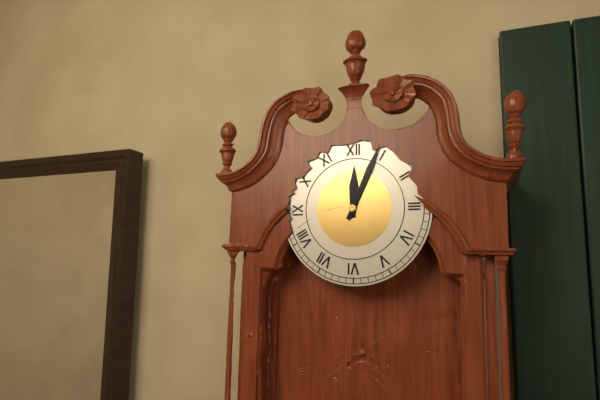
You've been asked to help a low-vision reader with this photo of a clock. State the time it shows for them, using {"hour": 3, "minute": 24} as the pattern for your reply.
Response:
{"hour": 12, "minute": 4}
